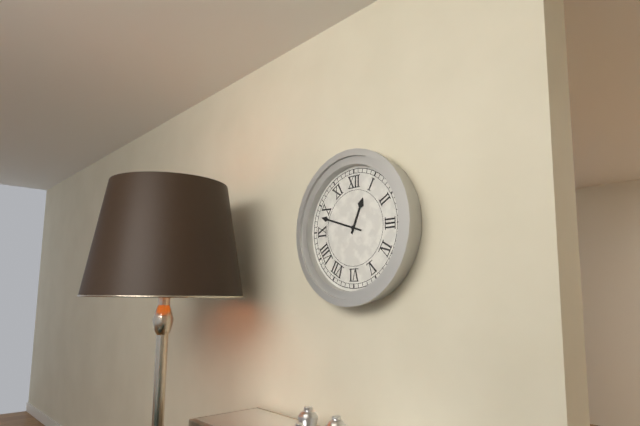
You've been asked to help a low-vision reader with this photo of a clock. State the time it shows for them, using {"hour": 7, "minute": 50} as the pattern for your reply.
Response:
{"hour": 12, "minute": 48}
